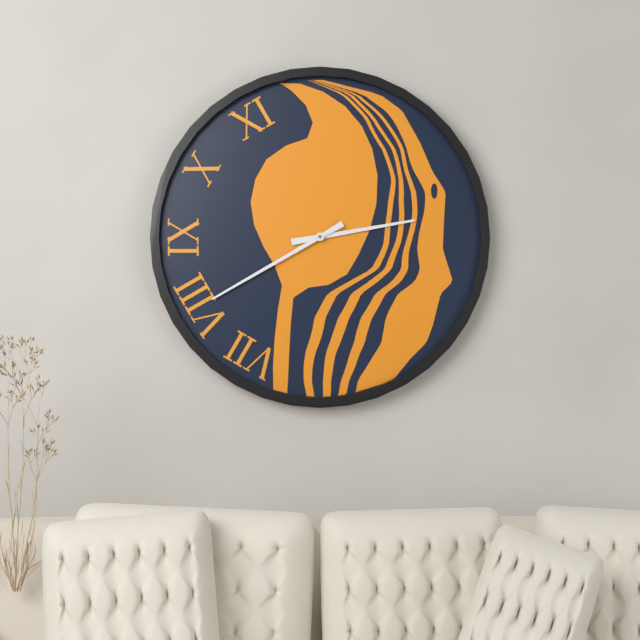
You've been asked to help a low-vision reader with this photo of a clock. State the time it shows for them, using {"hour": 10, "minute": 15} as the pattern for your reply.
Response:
{"hour": 2, "minute": 40}
